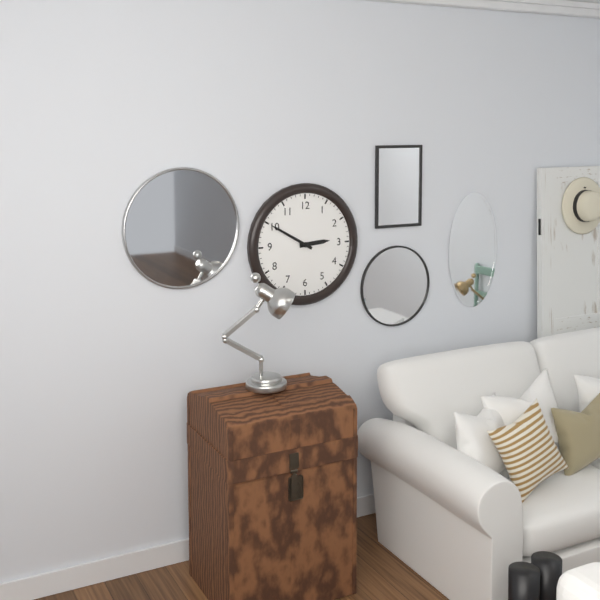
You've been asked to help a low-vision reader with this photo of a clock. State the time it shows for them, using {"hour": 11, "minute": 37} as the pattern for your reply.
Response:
{"hour": 2, "minute": 50}
